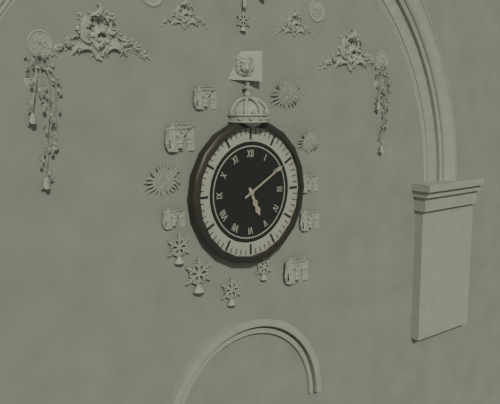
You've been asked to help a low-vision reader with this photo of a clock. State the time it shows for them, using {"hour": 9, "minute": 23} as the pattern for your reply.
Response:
{"hour": 5, "minute": 10}
